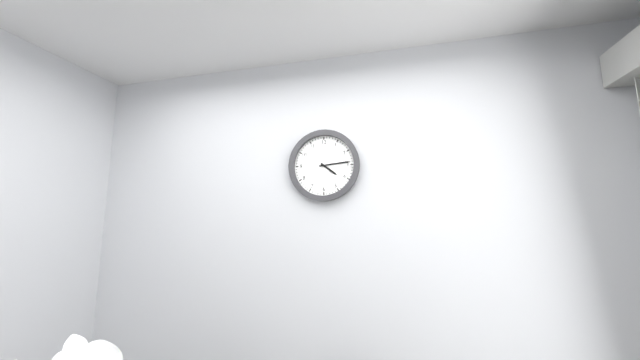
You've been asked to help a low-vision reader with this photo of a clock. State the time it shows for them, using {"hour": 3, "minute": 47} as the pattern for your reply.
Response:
{"hour": 4, "minute": 14}
